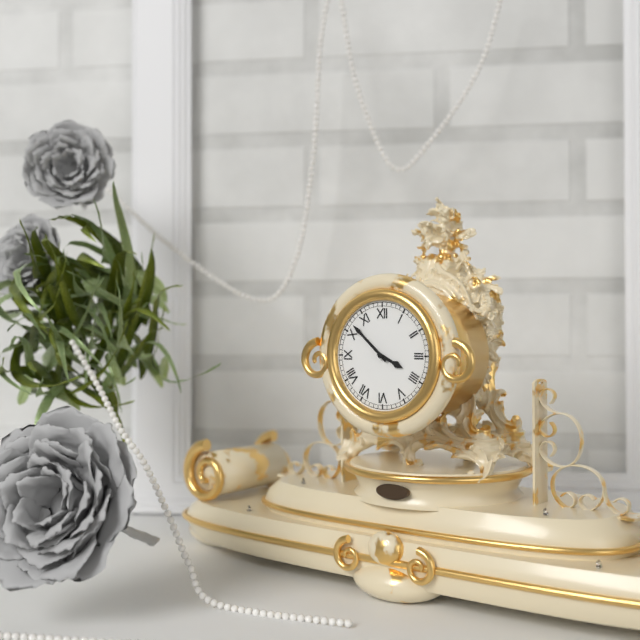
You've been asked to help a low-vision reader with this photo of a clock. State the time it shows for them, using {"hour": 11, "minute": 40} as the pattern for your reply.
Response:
{"hour": 3, "minute": 52}
